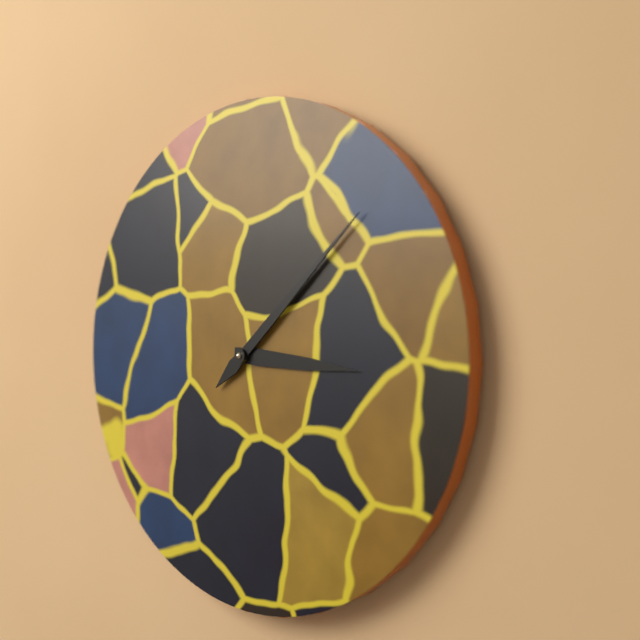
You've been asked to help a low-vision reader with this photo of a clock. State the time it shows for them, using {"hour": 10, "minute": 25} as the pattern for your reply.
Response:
{"hour": 3, "minute": 8}
